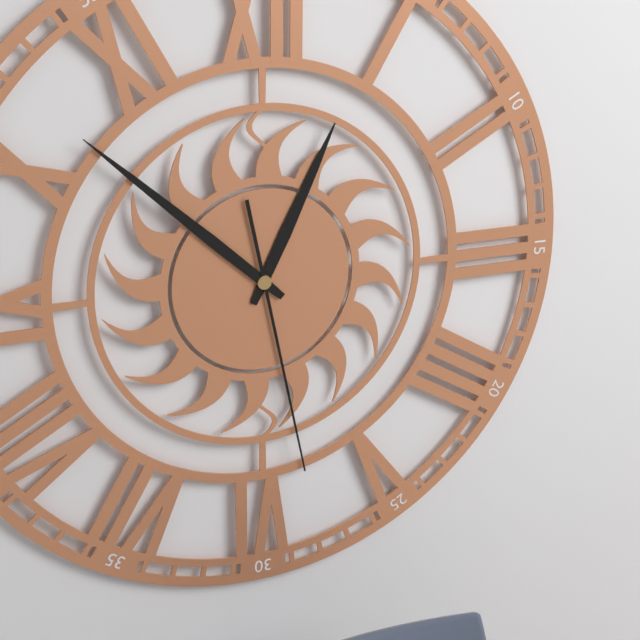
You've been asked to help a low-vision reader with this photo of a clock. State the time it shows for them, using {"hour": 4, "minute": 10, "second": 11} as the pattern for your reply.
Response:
{"hour": 12, "minute": 52, "second": 28}
